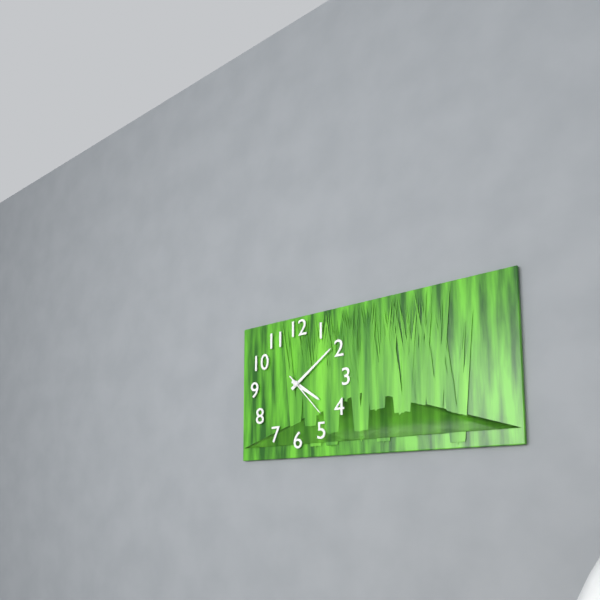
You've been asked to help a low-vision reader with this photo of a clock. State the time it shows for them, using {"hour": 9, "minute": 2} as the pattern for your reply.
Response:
{"hour": 4, "minute": 9}
